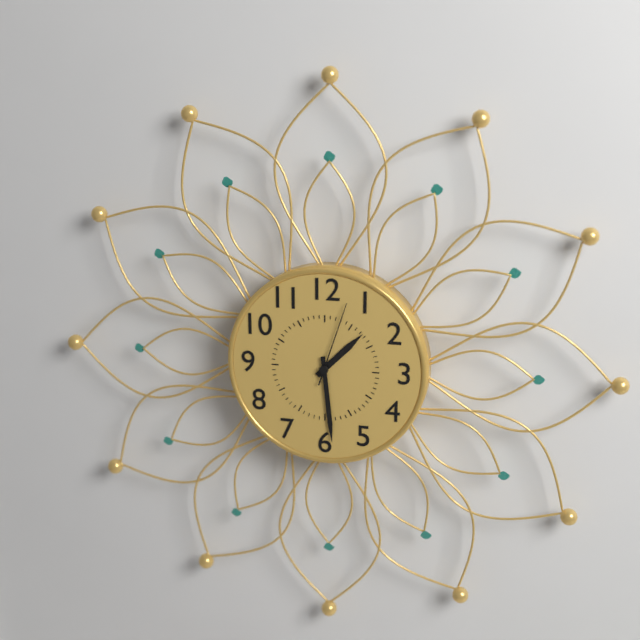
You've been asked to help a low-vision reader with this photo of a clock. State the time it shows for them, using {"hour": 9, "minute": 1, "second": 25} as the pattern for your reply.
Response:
{"hour": 1, "minute": 29, "second": 3}
